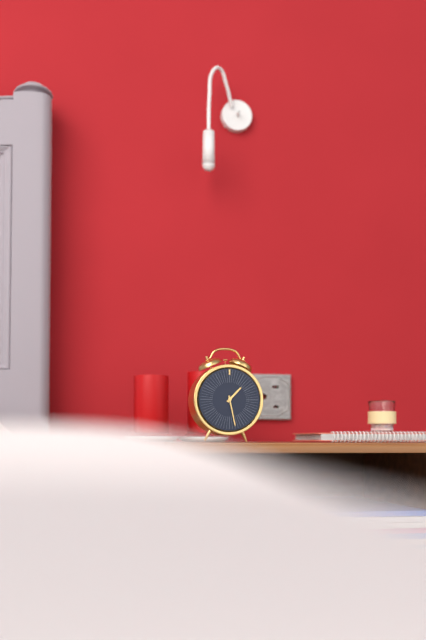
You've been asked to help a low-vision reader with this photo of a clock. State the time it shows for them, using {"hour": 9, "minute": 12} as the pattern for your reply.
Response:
{"hour": 1, "minute": 28}
